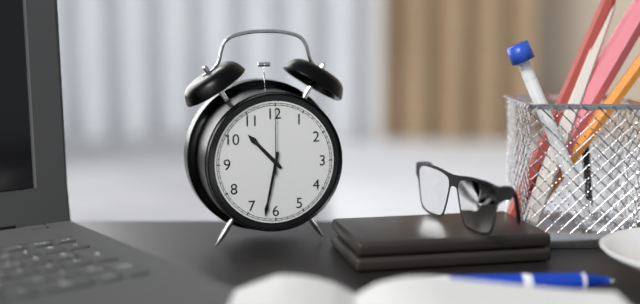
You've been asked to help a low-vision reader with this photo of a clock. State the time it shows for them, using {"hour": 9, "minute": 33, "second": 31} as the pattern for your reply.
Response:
{"hour": 10, "minute": 32, "second": 0}
